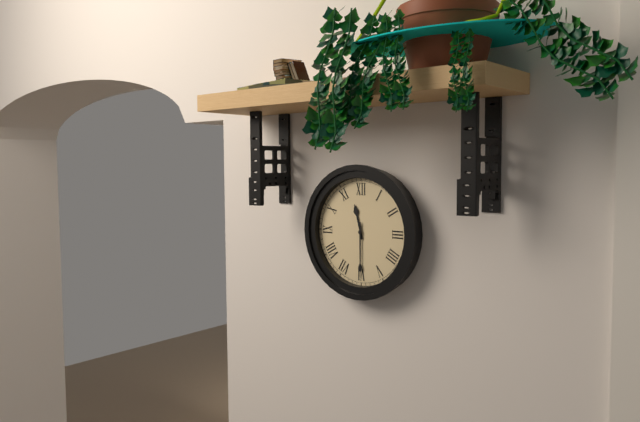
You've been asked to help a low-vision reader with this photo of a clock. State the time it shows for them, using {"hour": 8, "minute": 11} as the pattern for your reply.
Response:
{"hour": 11, "minute": 30}
